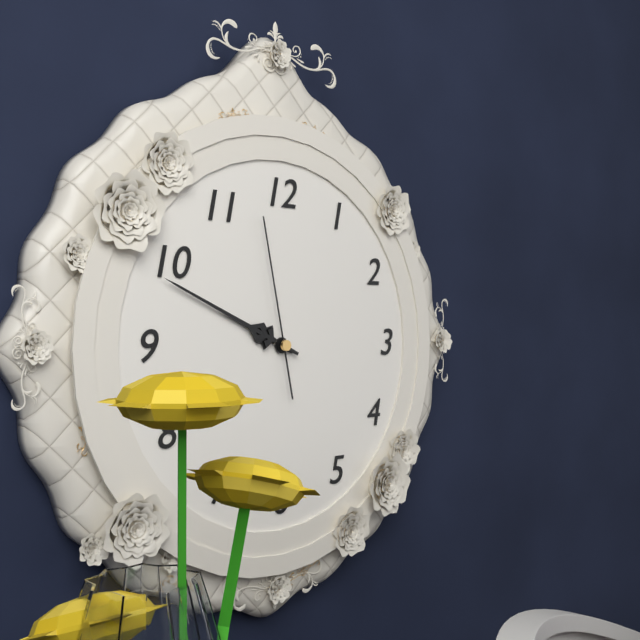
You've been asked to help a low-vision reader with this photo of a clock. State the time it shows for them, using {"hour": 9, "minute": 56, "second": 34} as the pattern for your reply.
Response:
{"hour": 9, "minute": 49, "second": 58}
